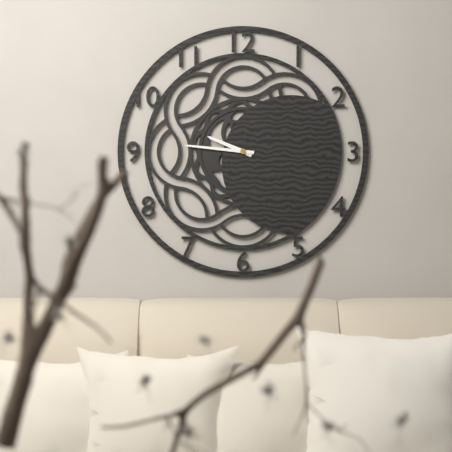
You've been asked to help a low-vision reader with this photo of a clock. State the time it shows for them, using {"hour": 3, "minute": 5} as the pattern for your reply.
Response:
{"hour": 9, "minute": 46}
